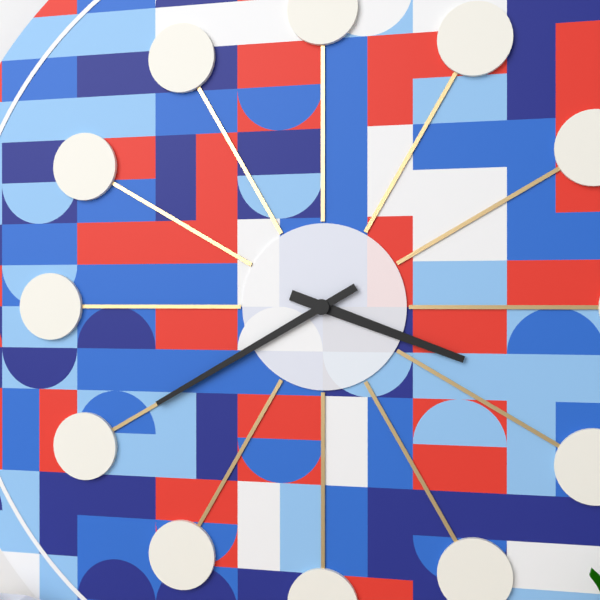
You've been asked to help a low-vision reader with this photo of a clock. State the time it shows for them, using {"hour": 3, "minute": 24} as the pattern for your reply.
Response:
{"hour": 3, "minute": 40}
